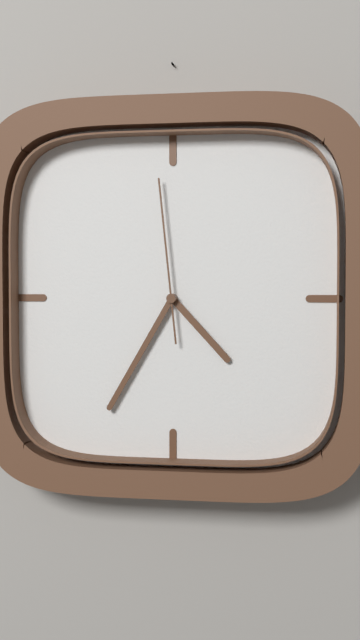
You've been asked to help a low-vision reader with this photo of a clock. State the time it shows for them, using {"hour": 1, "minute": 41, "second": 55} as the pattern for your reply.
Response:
{"hour": 4, "minute": 35, "second": 59}
